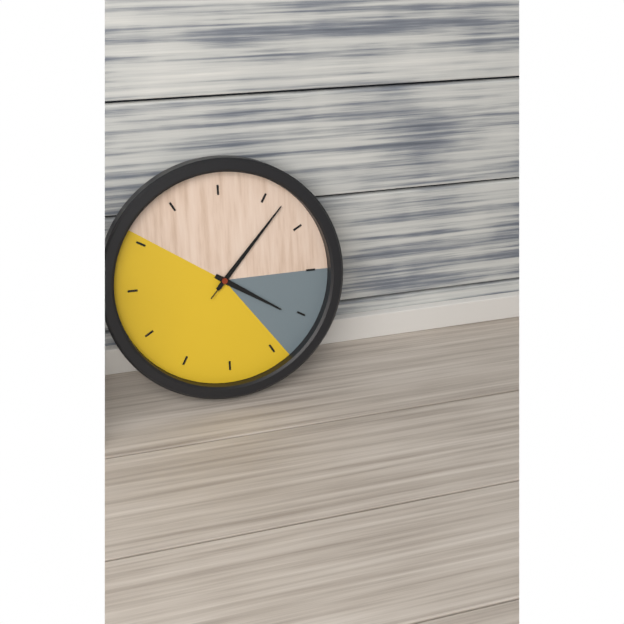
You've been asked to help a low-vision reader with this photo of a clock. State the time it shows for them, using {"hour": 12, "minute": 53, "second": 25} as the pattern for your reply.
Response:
{"hour": 4, "minute": 7, "second": 7}
